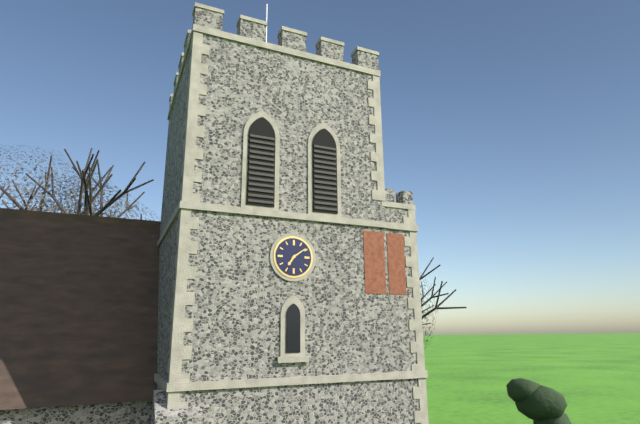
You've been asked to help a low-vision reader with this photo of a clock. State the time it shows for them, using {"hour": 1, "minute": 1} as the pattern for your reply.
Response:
{"hour": 7, "minute": 9}
